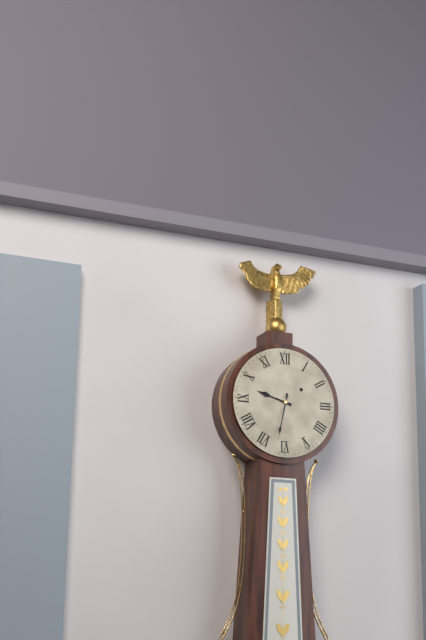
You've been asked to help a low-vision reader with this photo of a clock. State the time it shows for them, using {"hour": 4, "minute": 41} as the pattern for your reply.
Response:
{"hour": 9, "minute": 32}
